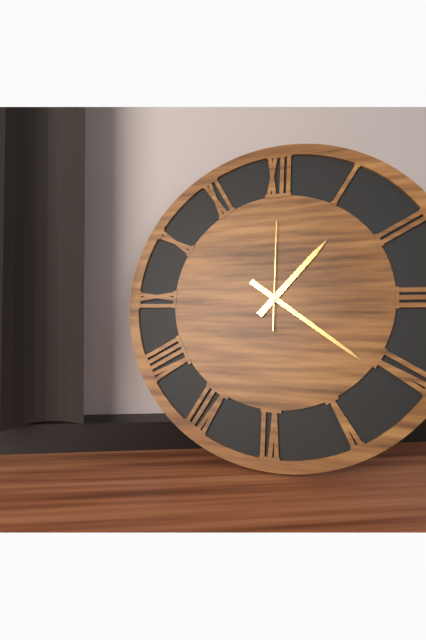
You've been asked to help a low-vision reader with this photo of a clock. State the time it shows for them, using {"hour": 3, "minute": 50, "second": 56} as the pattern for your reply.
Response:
{"hour": 1, "minute": 21, "second": 0}
